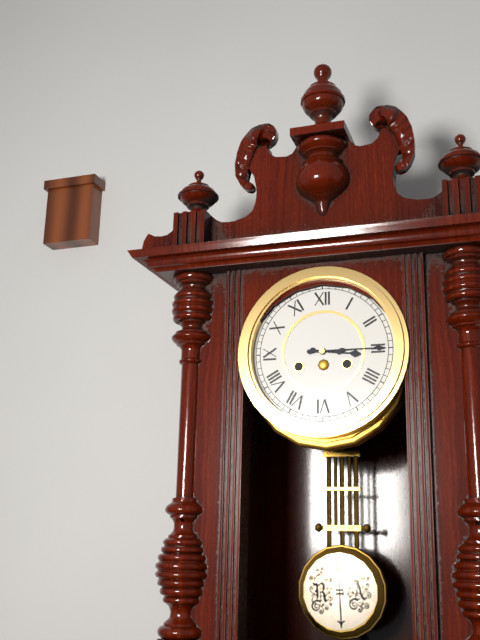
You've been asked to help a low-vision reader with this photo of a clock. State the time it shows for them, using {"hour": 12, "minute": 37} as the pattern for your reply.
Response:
{"hour": 3, "minute": 15}
